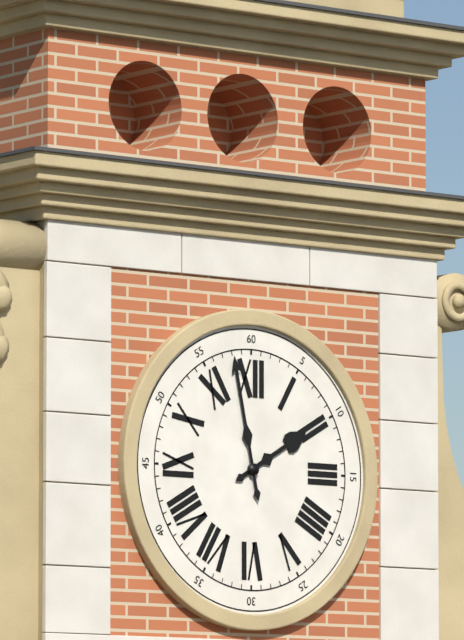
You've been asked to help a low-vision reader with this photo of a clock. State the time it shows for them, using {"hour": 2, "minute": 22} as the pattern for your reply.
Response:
{"hour": 1, "minute": 58}
